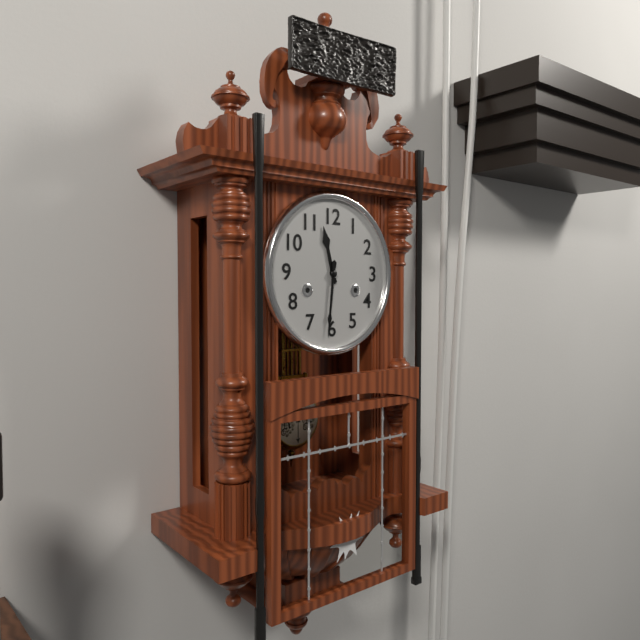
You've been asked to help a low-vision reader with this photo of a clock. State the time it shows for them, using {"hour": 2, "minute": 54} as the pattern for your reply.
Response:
{"hour": 11, "minute": 31}
